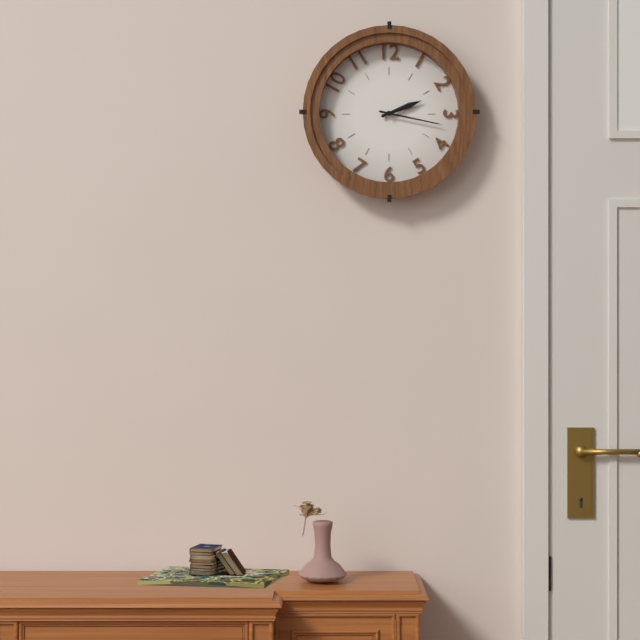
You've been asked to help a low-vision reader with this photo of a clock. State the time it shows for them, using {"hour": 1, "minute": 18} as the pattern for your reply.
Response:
{"hour": 2, "minute": 17}
